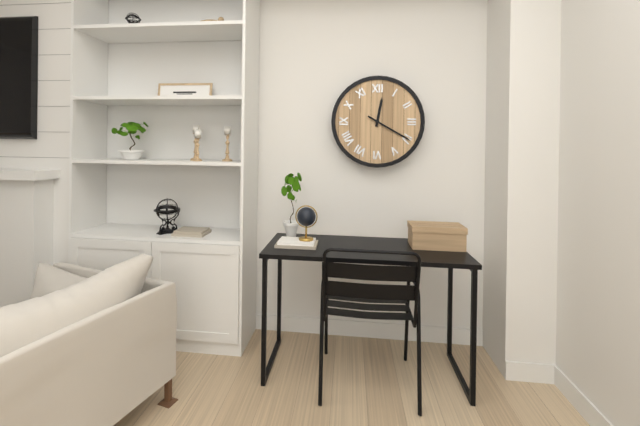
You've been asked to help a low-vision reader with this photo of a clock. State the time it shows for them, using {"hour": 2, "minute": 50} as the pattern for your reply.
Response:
{"hour": 12, "minute": 20}
